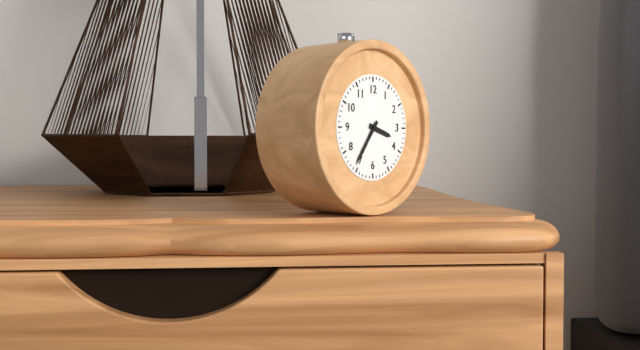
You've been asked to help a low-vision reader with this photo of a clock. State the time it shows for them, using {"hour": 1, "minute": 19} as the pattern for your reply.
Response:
{"hour": 3, "minute": 36}
